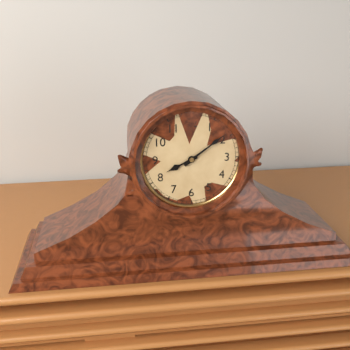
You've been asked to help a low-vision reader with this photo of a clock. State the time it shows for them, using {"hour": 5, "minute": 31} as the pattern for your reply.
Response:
{"hour": 8, "minute": 9}
